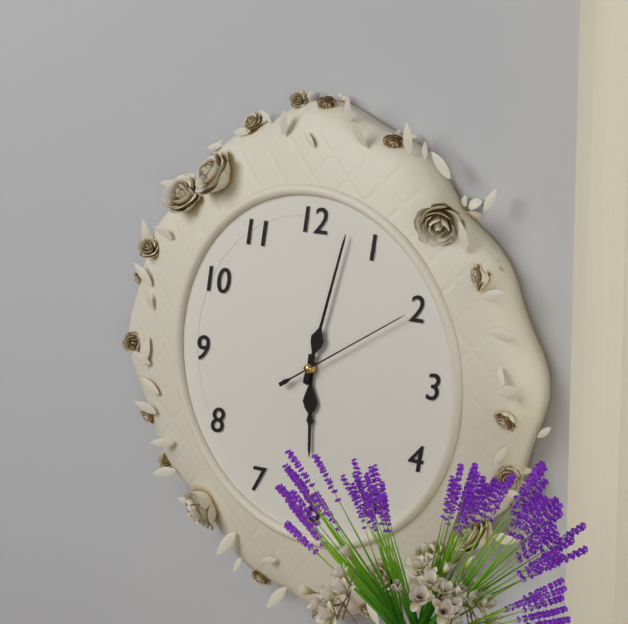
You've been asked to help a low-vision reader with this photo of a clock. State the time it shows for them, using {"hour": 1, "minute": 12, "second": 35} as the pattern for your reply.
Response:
{"hour": 6, "minute": 3, "second": 10}
